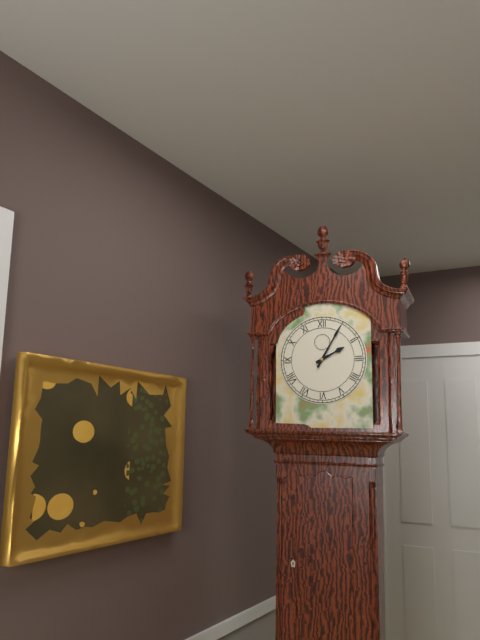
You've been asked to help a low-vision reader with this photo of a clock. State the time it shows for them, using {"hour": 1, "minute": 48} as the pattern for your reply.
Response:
{"hour": 2, "minute": 5}
